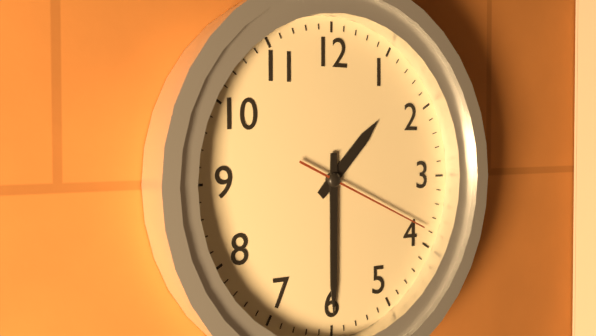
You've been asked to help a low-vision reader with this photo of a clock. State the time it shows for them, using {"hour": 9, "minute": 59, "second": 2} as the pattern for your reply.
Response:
{"hour": 1, "minute": 30, "second": 19}
